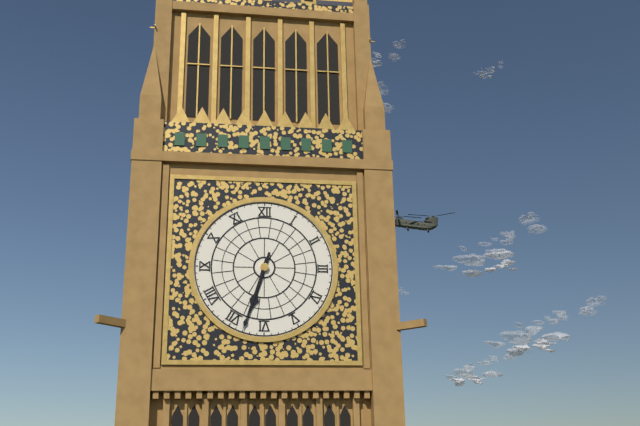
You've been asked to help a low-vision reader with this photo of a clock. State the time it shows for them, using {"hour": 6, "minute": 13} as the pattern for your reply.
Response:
{"hour": 6, "minute": 33}
